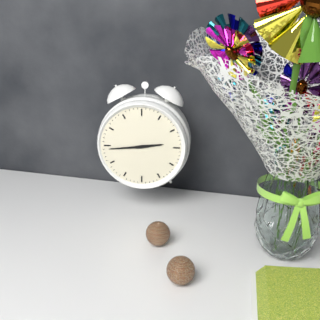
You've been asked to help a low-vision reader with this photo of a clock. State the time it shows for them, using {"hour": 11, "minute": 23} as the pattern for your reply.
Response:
{"hour": 2, "minute": 44}
